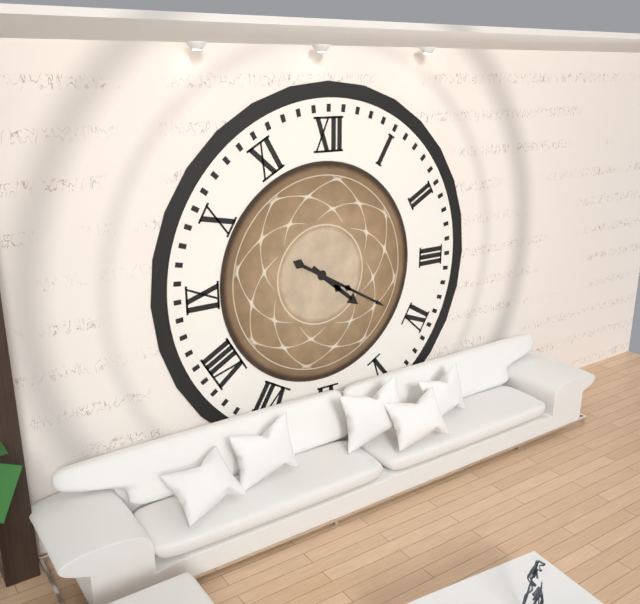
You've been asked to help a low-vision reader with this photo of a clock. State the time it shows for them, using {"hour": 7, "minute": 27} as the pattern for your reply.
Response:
{"hour": 4, "minute": 20}
